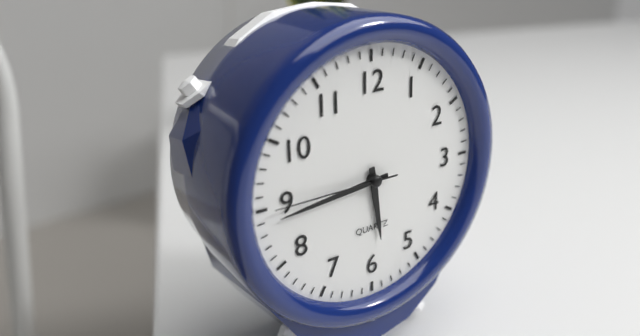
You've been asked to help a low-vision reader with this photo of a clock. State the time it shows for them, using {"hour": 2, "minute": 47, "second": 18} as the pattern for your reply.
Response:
{"hour": 5, "minute": 44, "second": 45}
